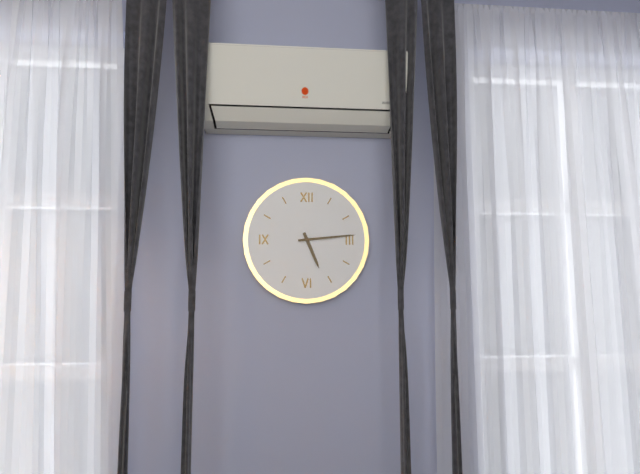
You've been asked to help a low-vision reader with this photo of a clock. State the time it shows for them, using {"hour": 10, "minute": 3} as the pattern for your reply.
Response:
{"hour": 5, "minute": 14}
